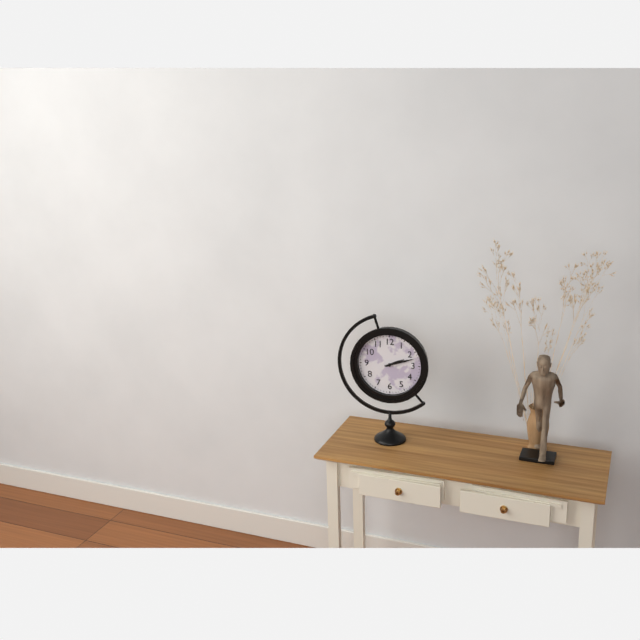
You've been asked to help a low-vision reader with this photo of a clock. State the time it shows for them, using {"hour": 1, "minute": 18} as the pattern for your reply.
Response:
{"hour": 2, "minute": 12}
